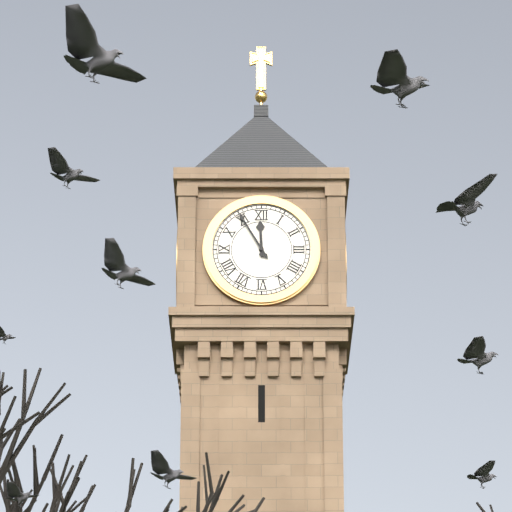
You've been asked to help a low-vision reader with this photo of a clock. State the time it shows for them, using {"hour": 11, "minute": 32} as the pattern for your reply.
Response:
{"hour": 11, "minute": 55}
